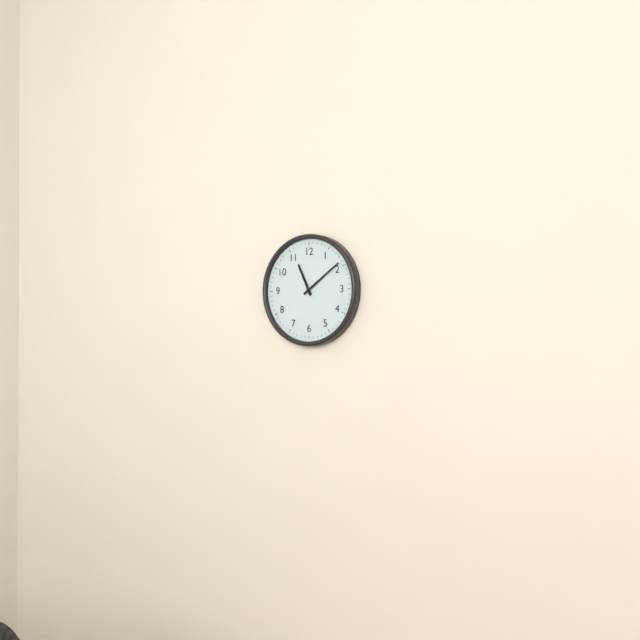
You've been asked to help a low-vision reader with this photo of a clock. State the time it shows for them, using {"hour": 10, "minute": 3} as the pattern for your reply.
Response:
{"hour": 11, "minute": 9}
